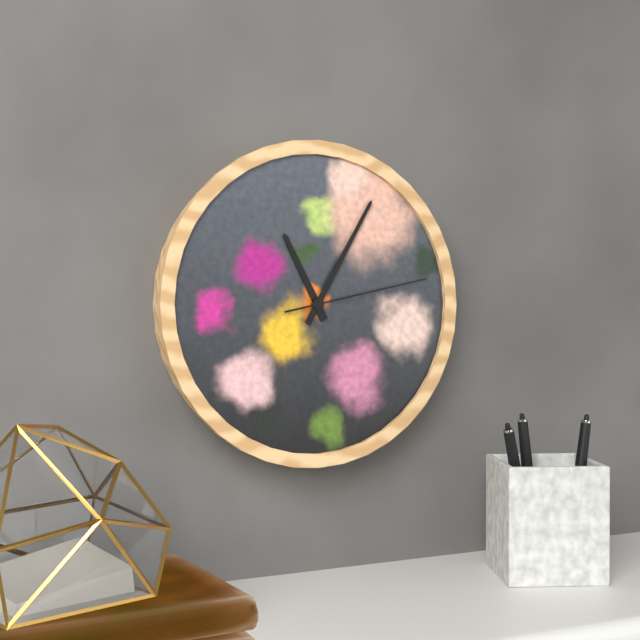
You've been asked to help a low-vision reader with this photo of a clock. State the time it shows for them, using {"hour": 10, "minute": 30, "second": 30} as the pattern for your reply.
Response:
{"hour": 11, "minute": 5, "second": 13}
